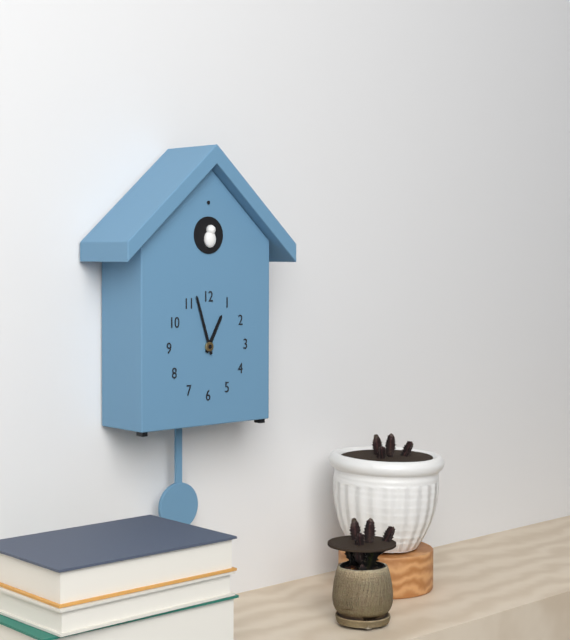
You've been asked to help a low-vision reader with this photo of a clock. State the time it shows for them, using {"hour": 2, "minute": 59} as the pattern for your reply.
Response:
{"hour": 12, "minute": 57}
